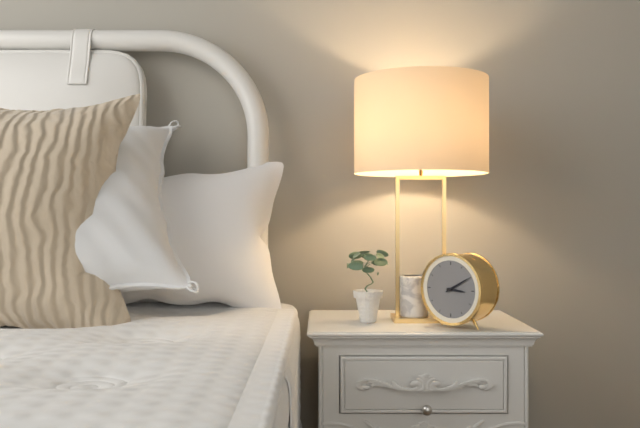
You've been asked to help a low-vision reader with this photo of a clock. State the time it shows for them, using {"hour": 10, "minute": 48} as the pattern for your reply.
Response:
{"hour": 3, "minute": 10}
